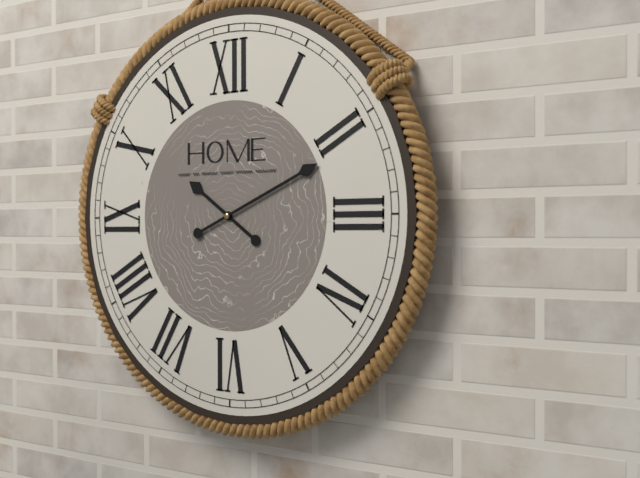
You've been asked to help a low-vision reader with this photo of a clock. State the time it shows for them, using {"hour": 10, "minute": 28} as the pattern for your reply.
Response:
{"hour": 10, "minute": 11}
